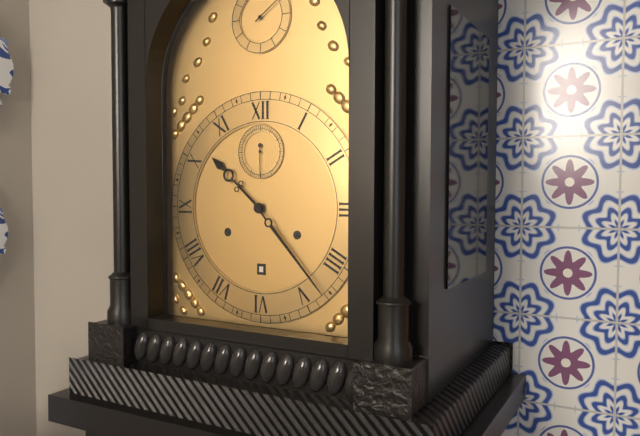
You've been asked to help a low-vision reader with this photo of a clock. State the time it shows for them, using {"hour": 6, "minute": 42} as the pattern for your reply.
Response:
{"hour": 10, "minute": 23}
